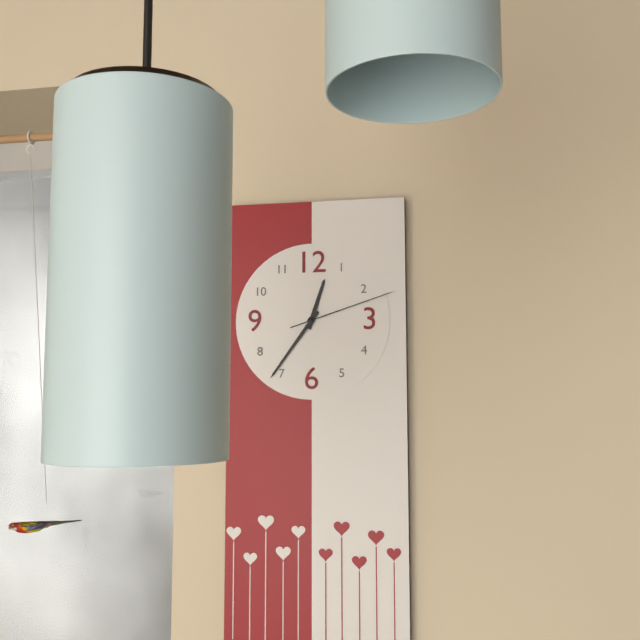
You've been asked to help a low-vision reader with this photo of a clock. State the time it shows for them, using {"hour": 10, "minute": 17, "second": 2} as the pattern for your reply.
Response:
{"hour": 12, "minute": 36, "second": 12}
